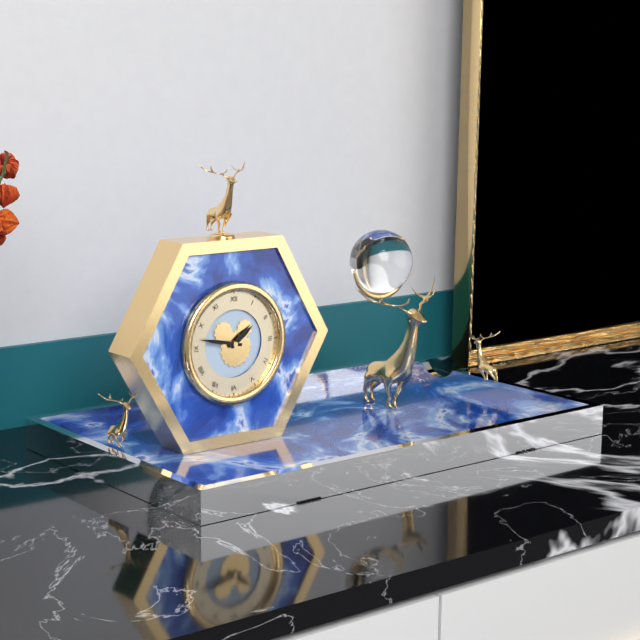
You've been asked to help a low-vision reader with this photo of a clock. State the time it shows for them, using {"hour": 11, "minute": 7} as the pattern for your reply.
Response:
{"hour": 1, "minute": 47}
